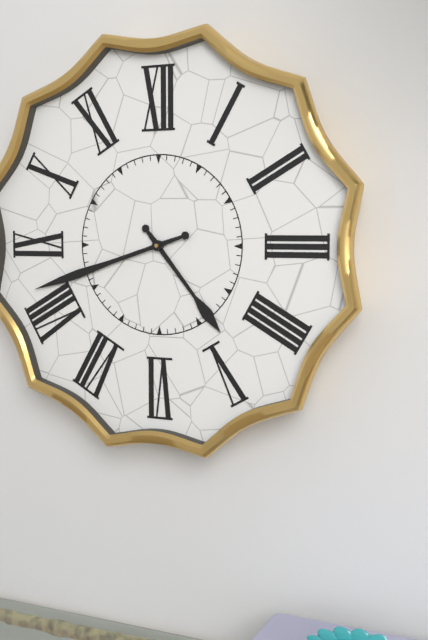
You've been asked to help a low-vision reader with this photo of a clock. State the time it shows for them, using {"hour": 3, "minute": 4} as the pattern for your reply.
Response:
{"hour": 4, "minute": 42}
